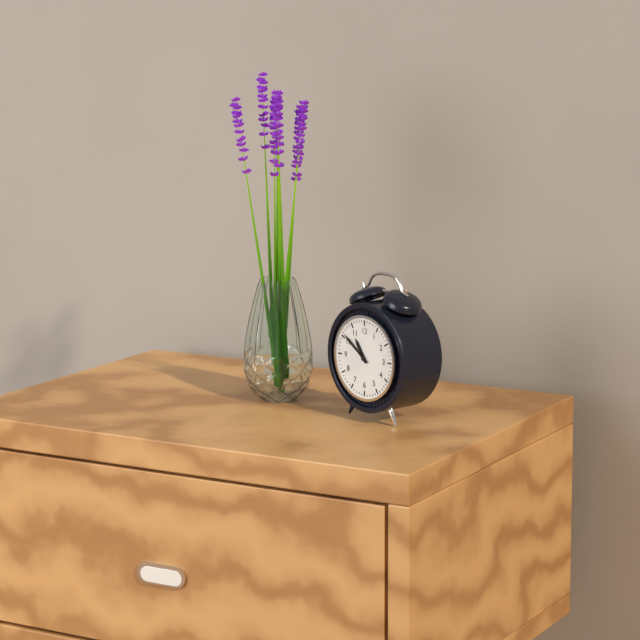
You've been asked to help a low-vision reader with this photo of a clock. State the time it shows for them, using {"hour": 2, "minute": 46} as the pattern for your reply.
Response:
{"hour": 10, "minute": 51}
